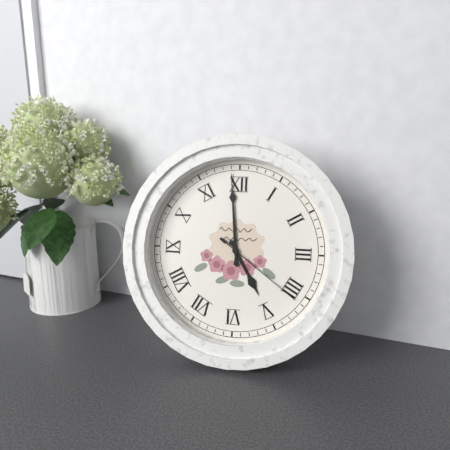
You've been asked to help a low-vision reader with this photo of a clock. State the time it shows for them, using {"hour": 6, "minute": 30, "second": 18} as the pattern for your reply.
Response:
{"hour": 4, "minute": 59, "second": 21}
